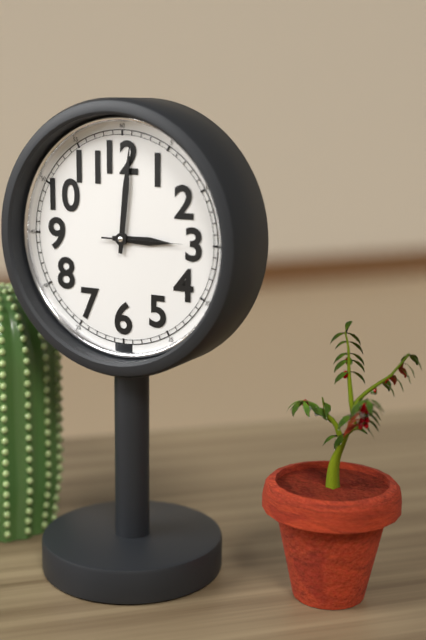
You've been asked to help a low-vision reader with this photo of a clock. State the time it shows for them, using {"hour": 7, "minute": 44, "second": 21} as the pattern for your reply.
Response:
{"hour": 3, "minute": 1, "second": 15}
